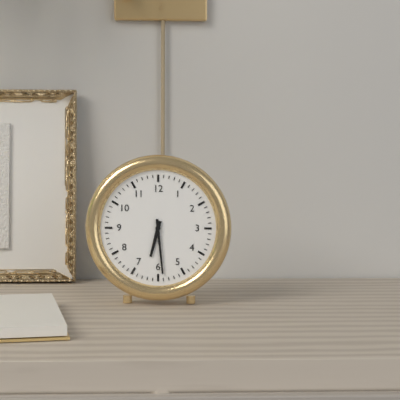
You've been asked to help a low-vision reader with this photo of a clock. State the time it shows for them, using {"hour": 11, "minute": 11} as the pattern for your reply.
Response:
{"hour": 6, "minute": 29}
